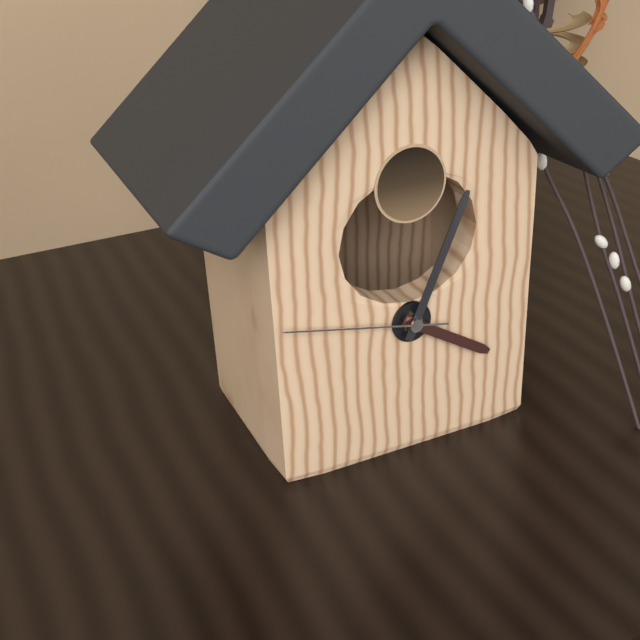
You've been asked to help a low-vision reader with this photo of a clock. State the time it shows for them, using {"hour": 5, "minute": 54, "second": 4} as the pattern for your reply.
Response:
{"hour": 4, "minute": 4, "second": 47}
